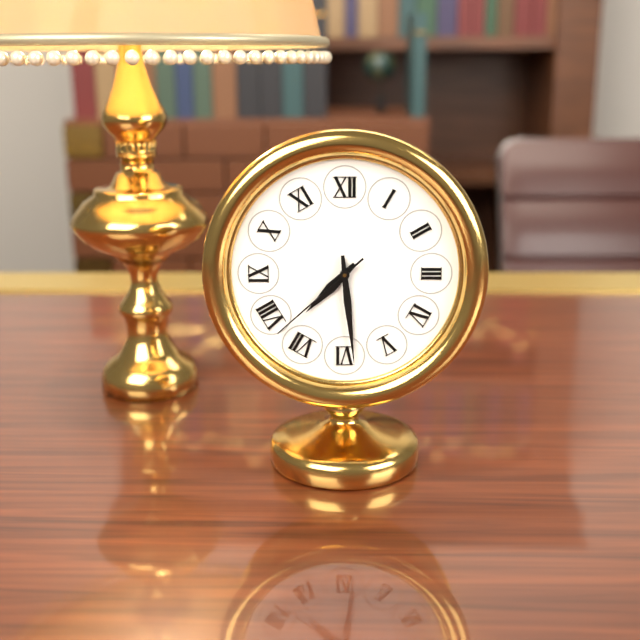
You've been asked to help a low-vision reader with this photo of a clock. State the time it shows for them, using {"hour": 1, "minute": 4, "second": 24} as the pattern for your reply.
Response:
{"hour": 7, "minute": 29, "second": 38}
